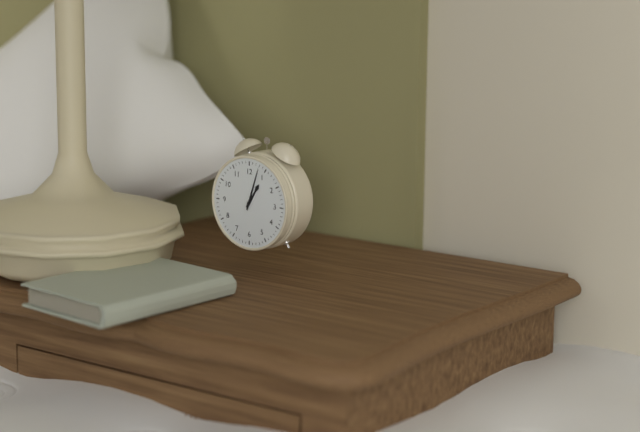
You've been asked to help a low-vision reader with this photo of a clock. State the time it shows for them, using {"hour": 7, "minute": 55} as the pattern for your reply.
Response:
{"hour": 1, "minute": 3}
